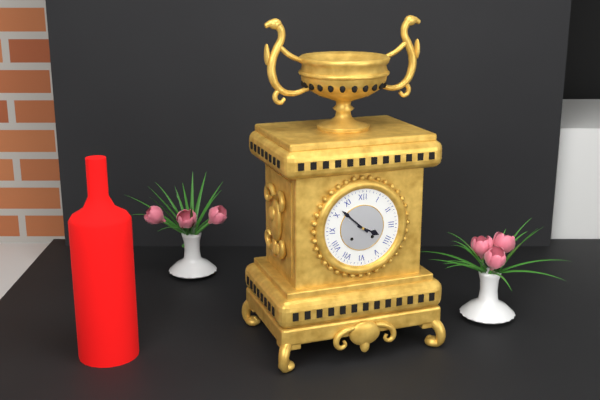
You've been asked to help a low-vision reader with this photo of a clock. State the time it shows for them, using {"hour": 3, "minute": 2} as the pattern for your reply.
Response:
{"hour": 3, "minute": 52}
